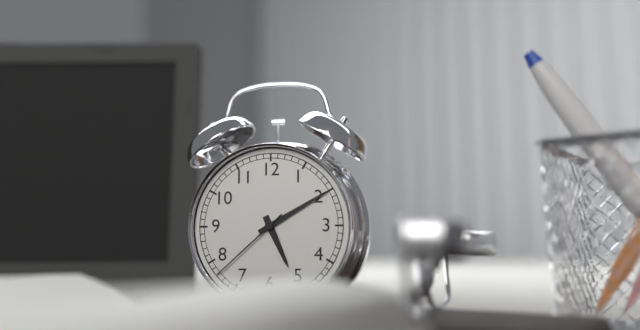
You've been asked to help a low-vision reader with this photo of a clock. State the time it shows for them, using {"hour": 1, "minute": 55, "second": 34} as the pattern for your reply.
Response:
{"hour": 5, "minute": 10, "second": 38}
